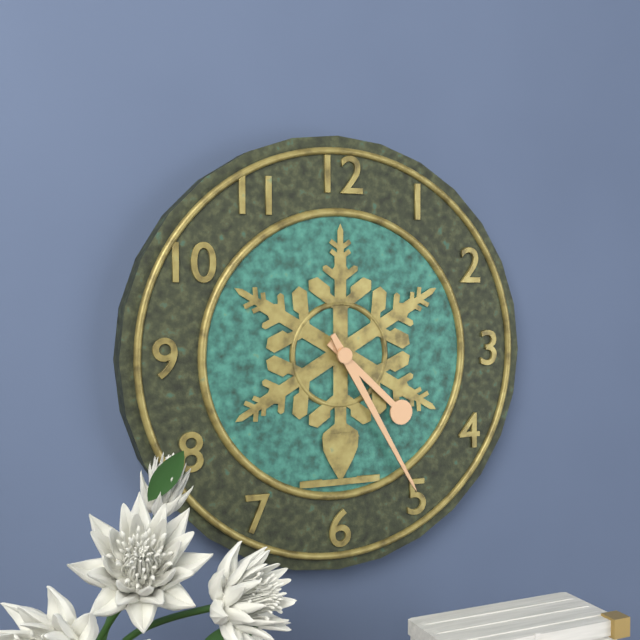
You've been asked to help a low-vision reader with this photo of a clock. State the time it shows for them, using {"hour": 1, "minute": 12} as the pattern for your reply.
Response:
{"hour": 4, "minute": 25}
